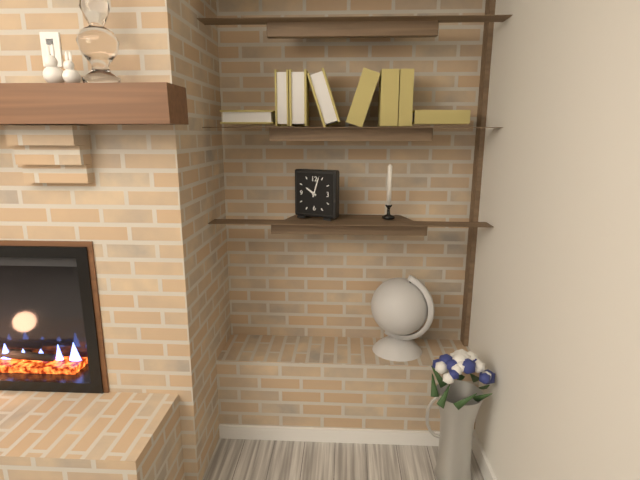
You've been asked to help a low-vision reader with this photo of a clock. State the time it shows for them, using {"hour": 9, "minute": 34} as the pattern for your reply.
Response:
{"hour": 10, "minute": 3}
